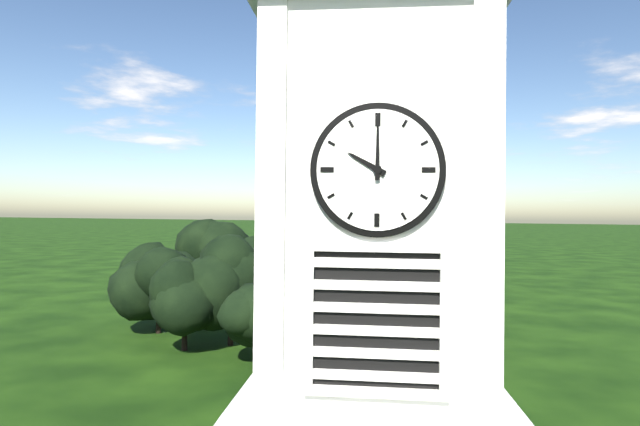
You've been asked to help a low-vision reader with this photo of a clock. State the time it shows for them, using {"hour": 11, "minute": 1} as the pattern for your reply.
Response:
{"hour": 10, "minute": 0}
